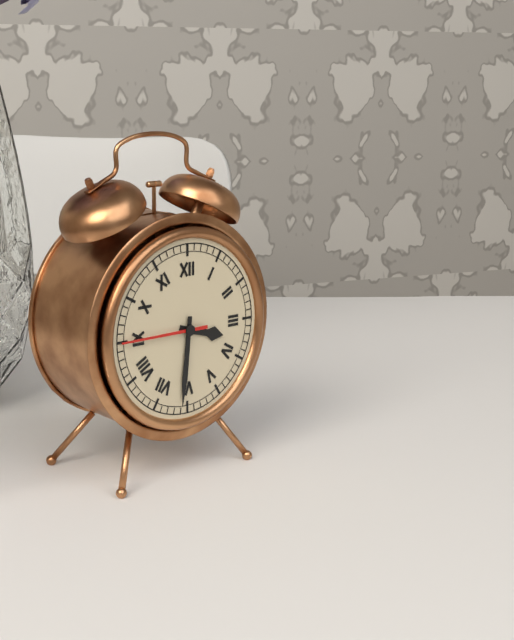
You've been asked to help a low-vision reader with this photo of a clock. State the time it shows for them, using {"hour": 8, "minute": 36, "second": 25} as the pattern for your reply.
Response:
{"hour": 3, "minute": 31, "second": 45}
